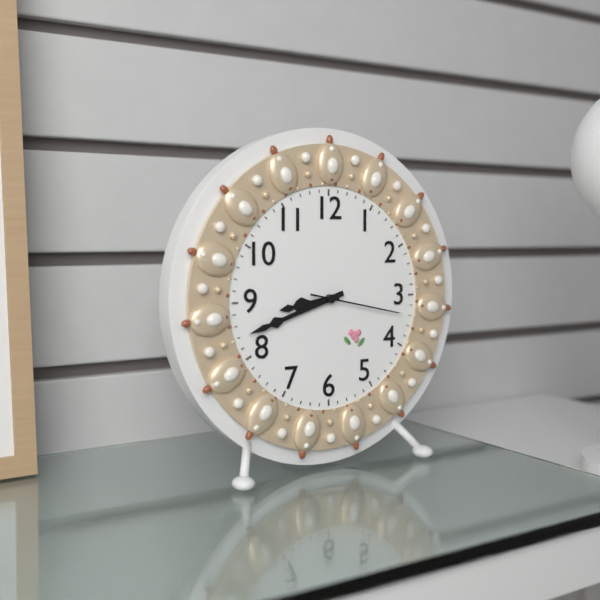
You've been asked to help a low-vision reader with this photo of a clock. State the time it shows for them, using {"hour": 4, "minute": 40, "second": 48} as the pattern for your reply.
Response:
{"hour": 8, "minute": 42, "second": 17}
